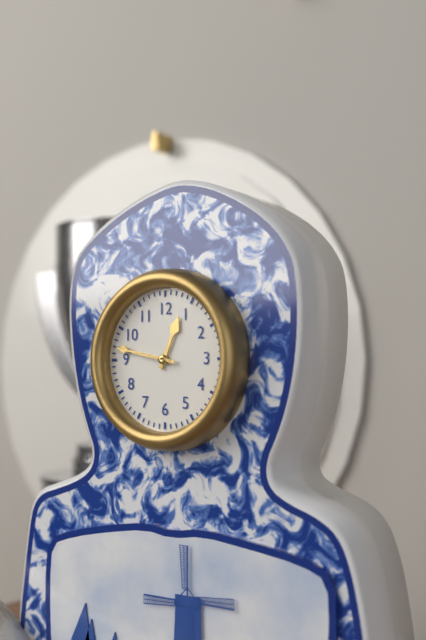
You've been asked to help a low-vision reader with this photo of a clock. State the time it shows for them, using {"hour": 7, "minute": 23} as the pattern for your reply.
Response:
{"hour": 12, "minute": 47}
